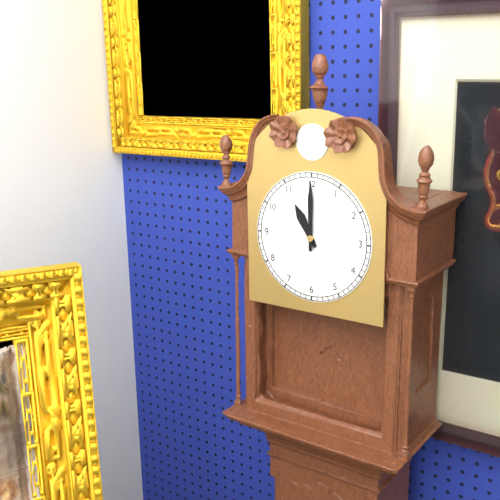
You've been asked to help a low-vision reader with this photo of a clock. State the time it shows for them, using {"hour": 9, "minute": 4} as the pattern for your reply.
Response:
{"hour": 11, "minute": 0}
